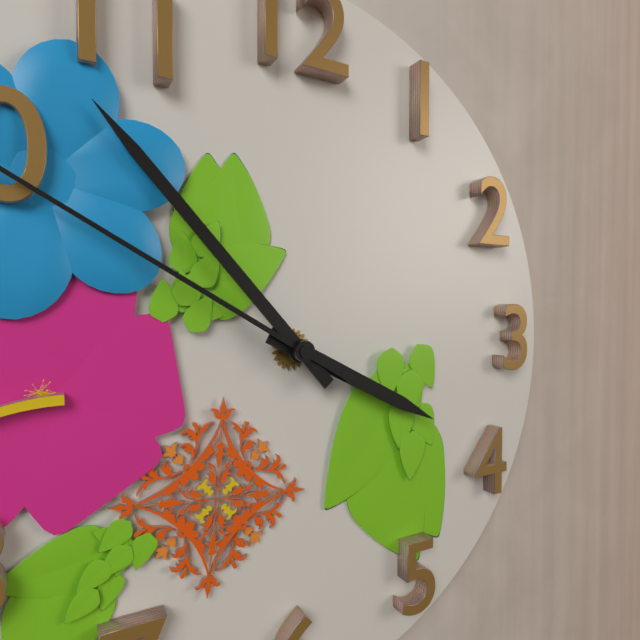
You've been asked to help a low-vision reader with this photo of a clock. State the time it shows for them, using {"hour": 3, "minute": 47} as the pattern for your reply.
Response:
{"hour": 3, "minute": 53}
